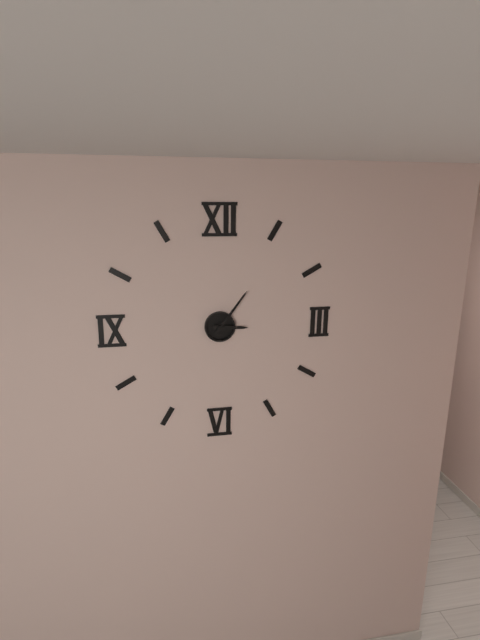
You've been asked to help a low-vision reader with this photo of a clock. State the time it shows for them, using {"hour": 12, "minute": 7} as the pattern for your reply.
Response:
{"hour": 3, "minute": 6}
